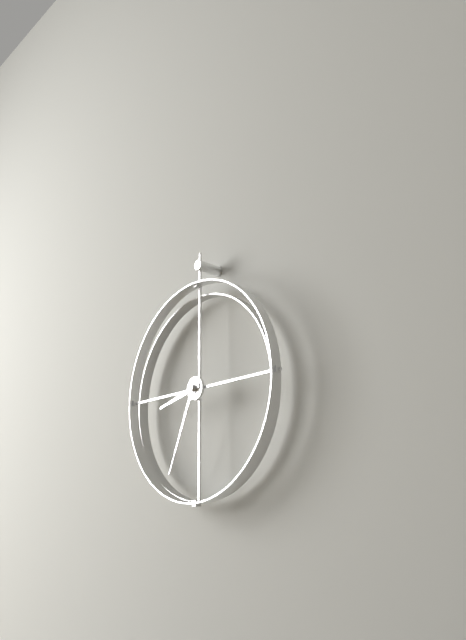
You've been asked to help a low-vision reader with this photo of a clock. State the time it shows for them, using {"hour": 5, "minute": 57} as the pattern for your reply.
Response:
{"hour": 8, "minute": 34}
